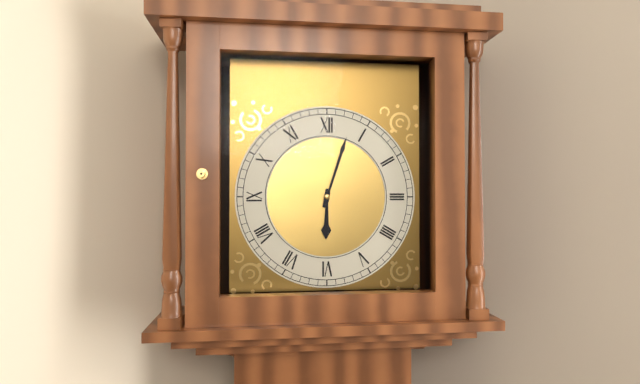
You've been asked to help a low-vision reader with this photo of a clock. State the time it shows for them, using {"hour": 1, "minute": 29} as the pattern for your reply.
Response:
{"hour": 6, "minute": 3}
